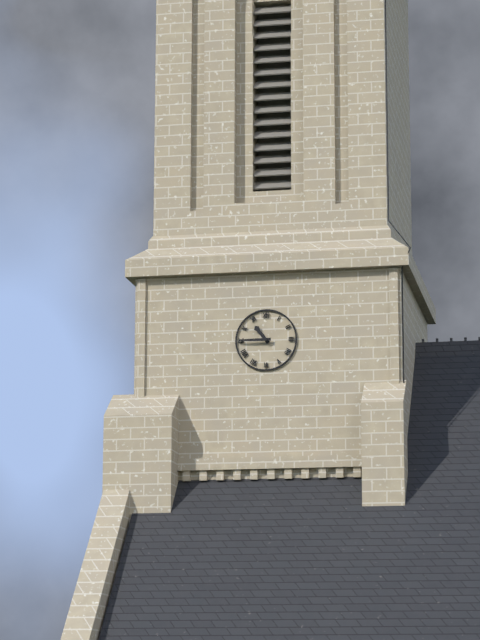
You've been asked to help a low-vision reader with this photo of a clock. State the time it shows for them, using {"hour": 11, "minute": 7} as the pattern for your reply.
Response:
{"hour": 10, "minute": 45}
